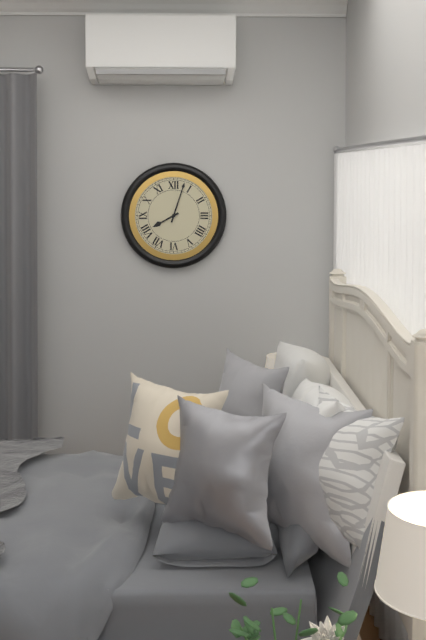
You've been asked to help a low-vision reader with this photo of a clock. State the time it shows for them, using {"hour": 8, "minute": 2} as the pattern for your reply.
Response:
{"hour": 8, "minute": 3}
